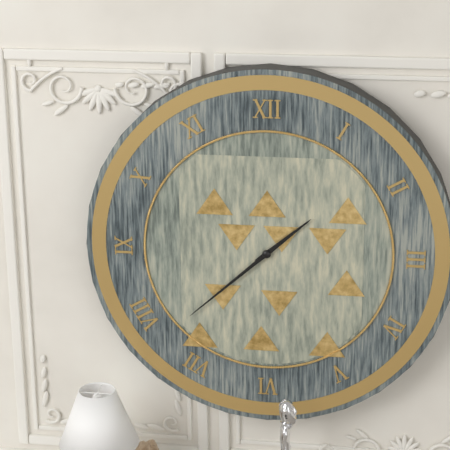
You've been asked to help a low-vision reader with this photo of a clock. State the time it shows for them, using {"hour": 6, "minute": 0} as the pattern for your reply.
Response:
{"hour": 1, "minute": 38}
